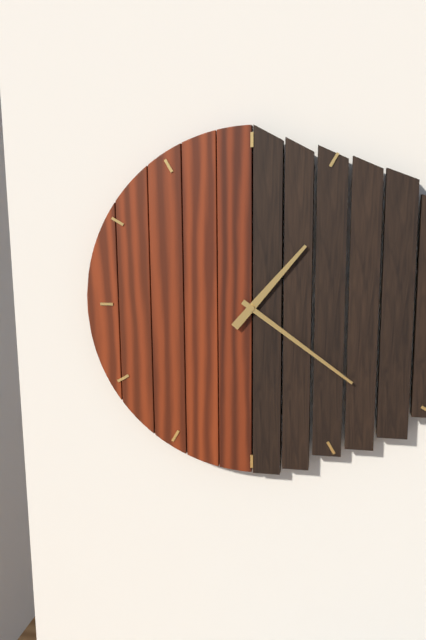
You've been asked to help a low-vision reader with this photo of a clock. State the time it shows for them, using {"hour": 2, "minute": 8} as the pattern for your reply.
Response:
{"hour": 1, "minute": 21}
